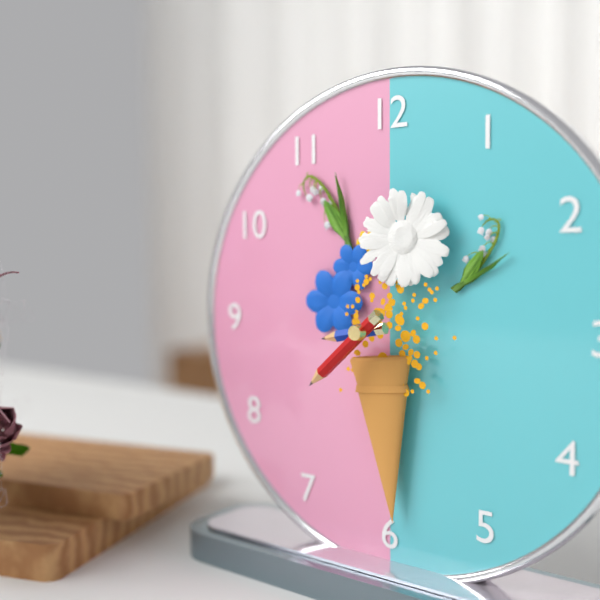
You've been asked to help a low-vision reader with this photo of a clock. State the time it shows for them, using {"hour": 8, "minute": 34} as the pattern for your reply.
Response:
{"hour": 8, "minute": 38}
